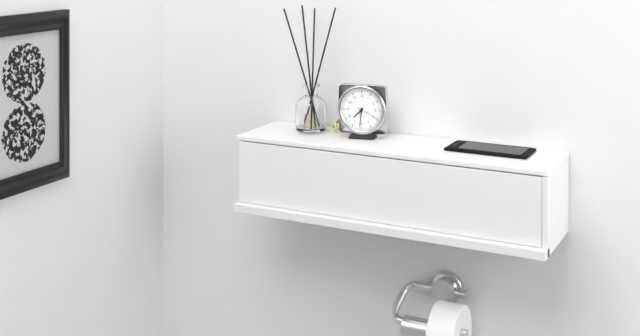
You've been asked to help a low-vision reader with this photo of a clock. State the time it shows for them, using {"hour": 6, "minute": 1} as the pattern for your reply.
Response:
{"hour": 7, "minute": 31}
